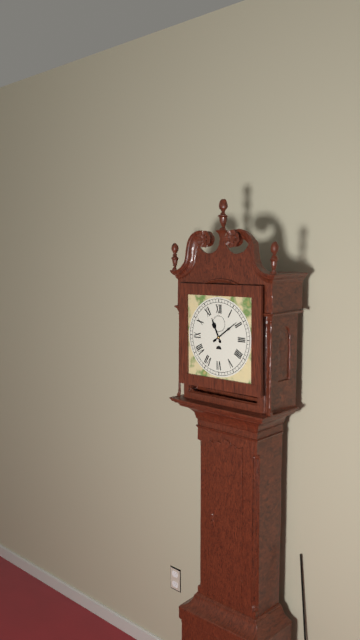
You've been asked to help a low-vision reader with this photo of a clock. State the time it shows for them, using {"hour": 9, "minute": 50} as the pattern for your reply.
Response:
{"hour": 11, "minute": 9}
